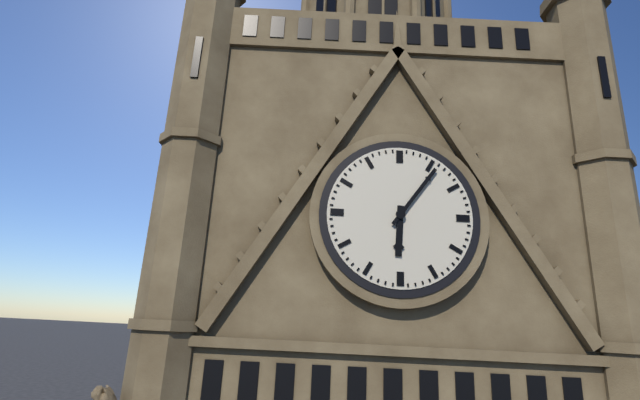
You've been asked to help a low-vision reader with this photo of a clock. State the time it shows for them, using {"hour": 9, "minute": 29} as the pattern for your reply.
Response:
{"hour": 6, "minute": 6}
